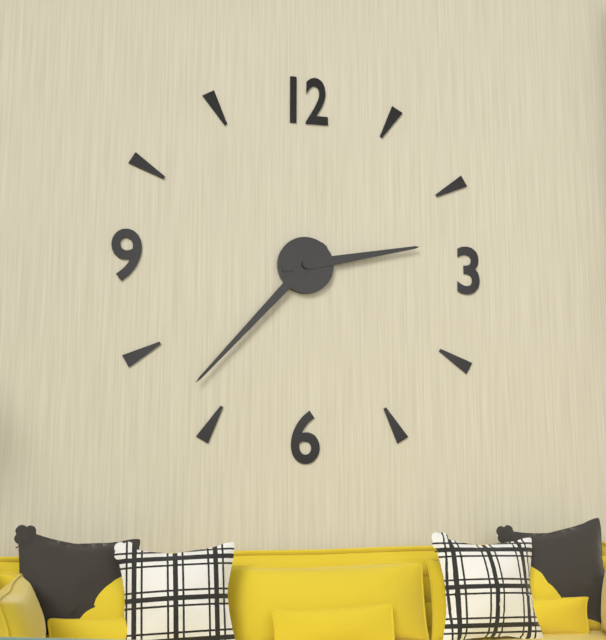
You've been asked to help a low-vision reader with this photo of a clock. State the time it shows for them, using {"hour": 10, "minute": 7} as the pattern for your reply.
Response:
{"hour": 2, "minute": 37}
